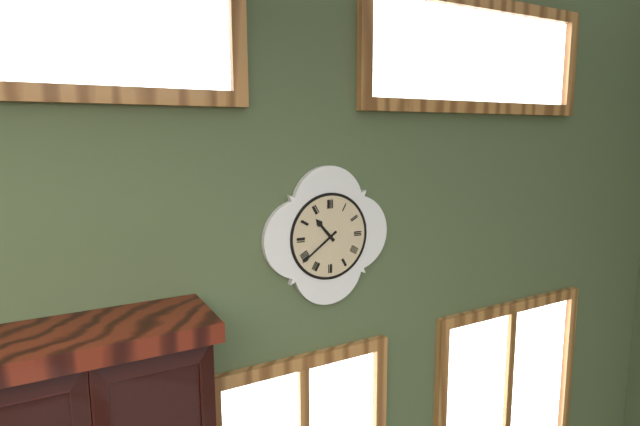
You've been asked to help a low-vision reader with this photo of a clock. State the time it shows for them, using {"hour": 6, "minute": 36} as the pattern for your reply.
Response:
{"hour": 10, "minute": 39}
